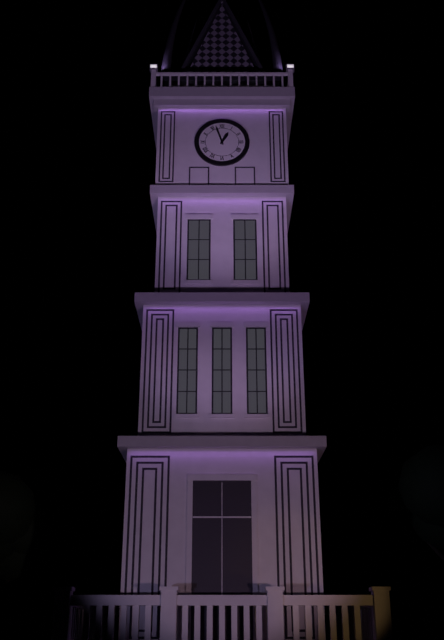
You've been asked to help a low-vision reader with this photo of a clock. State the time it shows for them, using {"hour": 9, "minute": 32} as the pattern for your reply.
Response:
{"hour": 12, "minute": 57}
